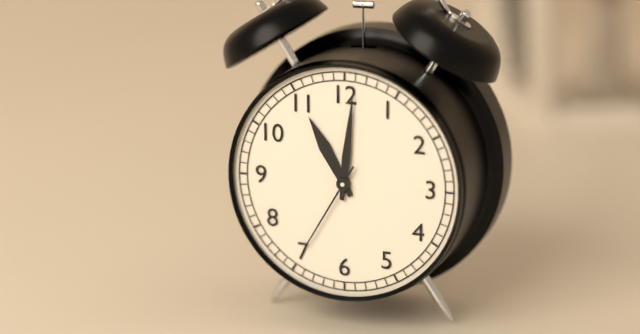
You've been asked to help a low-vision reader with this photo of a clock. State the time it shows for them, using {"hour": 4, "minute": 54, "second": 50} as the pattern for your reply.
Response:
{"hour": 11, "minute": 1, "second": 35}
